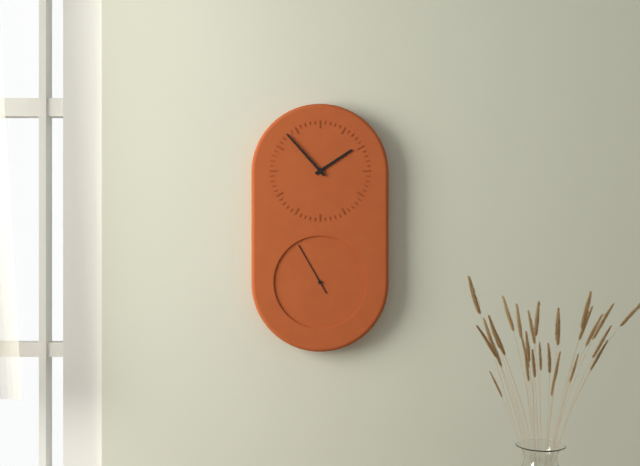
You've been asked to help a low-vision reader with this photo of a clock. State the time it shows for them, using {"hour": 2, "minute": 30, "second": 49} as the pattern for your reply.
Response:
{"hour": 1, "minute": 53, "second": 55}
